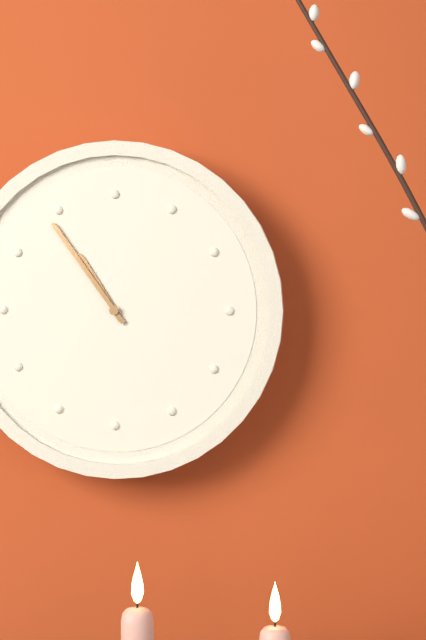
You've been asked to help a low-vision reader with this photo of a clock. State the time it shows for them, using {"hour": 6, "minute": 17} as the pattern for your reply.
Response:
{"hour": 10, "minute": 54}
